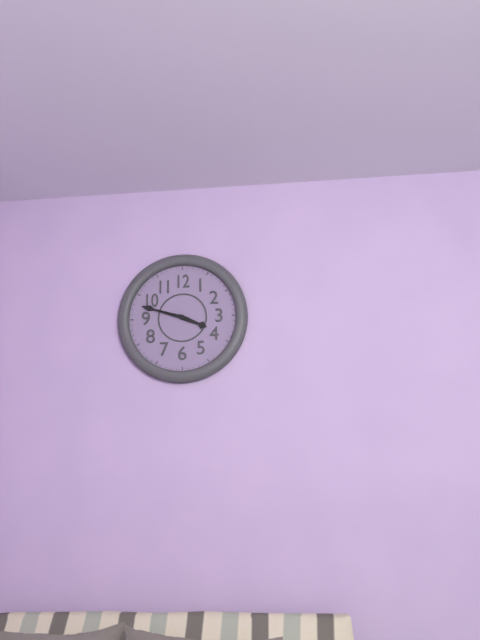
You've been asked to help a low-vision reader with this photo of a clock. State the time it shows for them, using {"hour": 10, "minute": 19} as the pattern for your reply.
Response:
{"hour": 3, "minute": 48}
